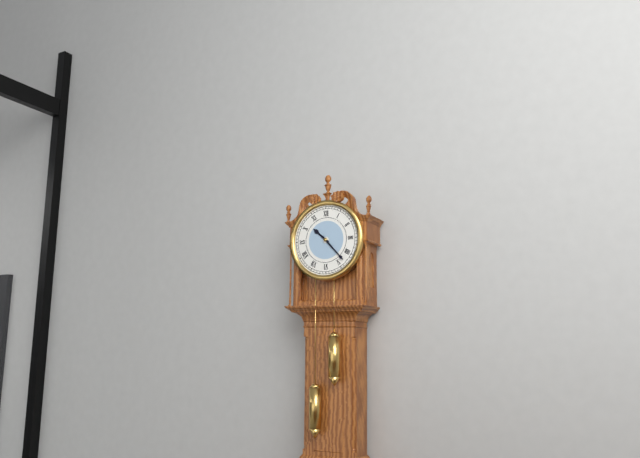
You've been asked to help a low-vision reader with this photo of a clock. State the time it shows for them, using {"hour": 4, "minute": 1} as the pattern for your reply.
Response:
{"hour": 10, "minute": 23}
